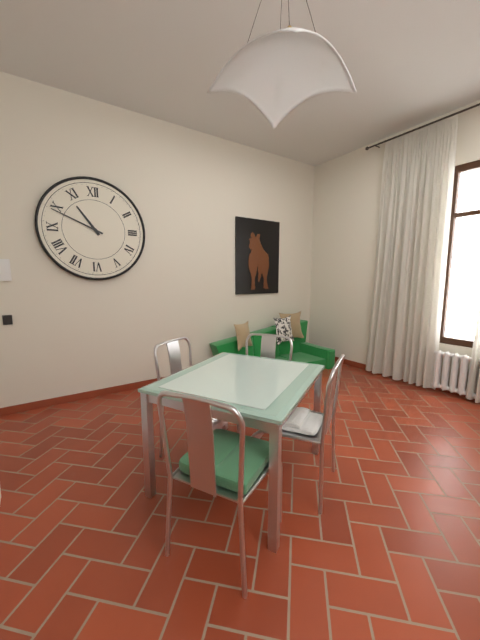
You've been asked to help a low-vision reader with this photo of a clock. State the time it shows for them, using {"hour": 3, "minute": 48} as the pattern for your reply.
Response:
{"hour": 10, "minute": 49}
